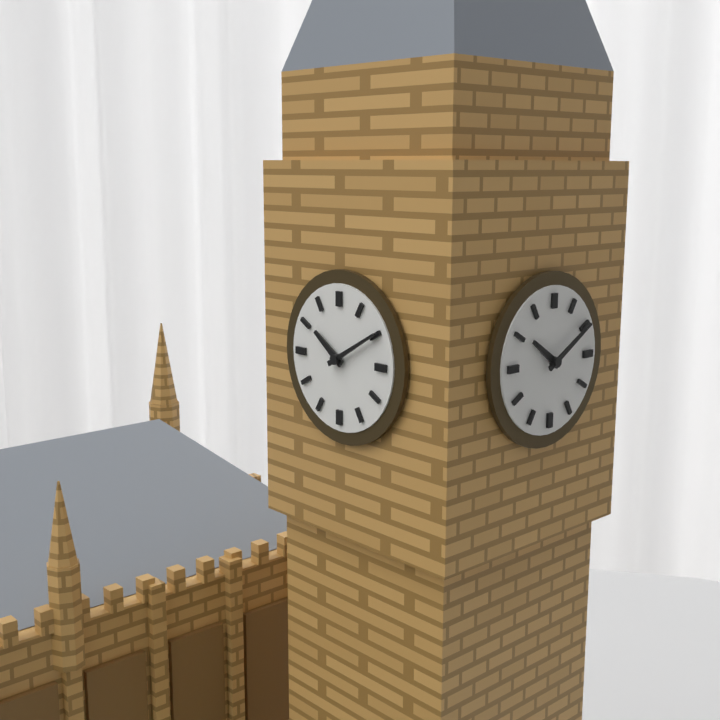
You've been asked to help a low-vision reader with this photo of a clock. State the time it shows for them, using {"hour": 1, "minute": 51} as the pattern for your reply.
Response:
{"hour": 10, "minute": 10}
